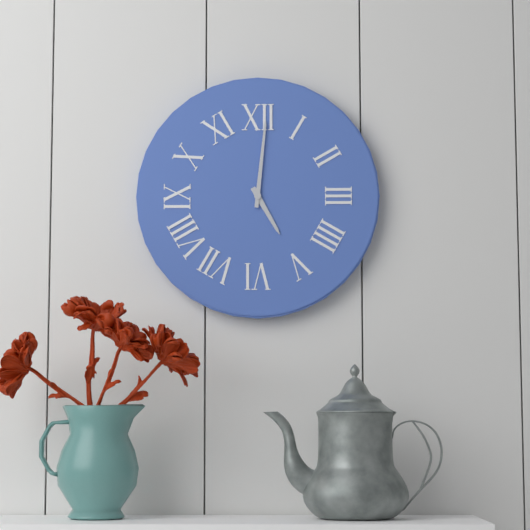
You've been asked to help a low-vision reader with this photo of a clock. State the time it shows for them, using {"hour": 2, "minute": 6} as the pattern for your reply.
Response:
{"hour": 5, "minute": 1}
